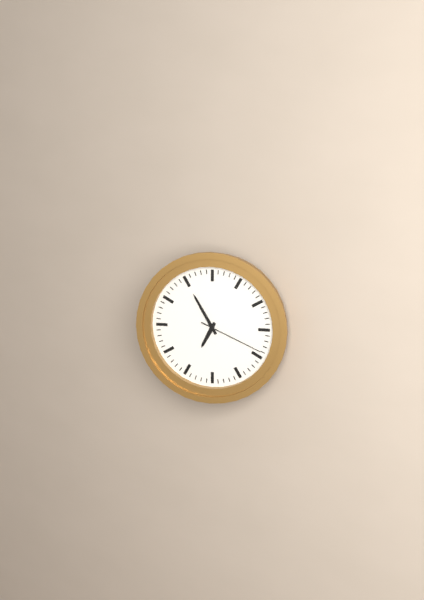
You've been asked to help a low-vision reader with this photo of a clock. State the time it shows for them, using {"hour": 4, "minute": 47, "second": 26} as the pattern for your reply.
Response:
{"hour": 6, "minute": 55, "second": 19}
